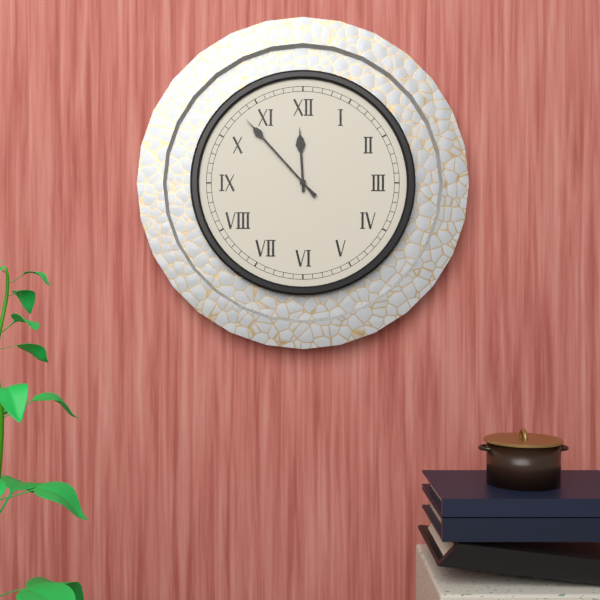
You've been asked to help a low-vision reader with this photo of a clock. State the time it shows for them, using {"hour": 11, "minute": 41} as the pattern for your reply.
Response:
{"hour": 11, "minute": 53}
